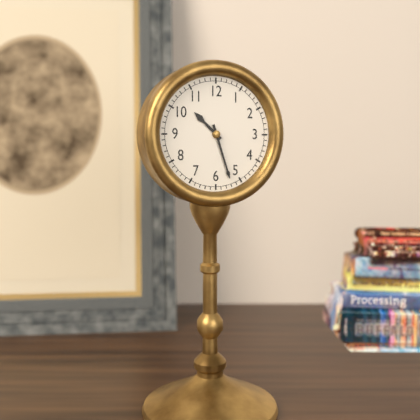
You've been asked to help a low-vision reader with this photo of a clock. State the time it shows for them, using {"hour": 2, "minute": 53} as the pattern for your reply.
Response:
{"hour": 10, "minute": 27}
